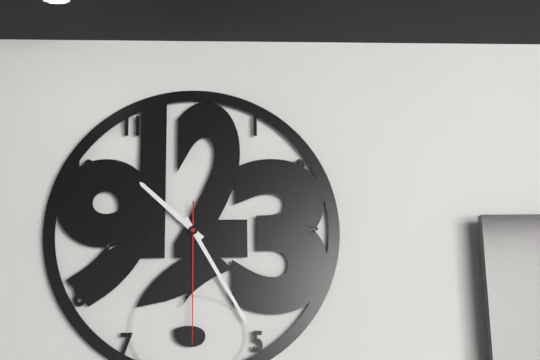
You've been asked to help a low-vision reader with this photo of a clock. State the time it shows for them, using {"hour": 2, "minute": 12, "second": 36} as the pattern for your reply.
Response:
{"hour": 10, "minute": 25, "second": 30}
